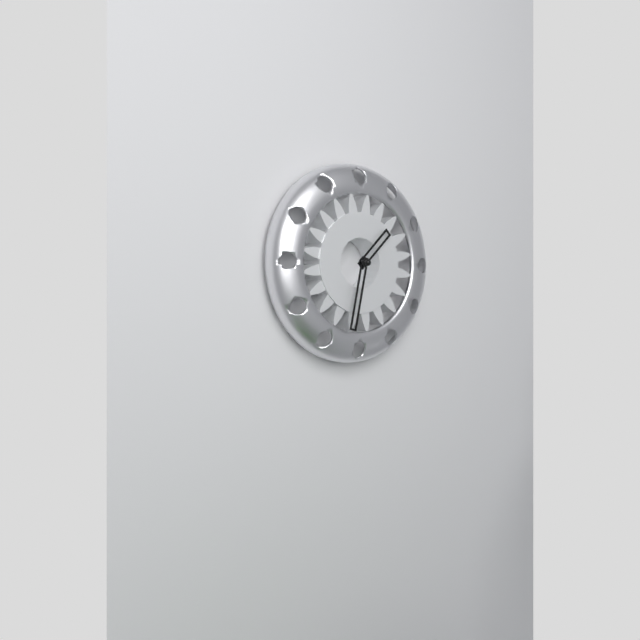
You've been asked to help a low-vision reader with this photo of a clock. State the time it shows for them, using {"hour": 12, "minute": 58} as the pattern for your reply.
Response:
{"hour": 1, "minute": 32}
